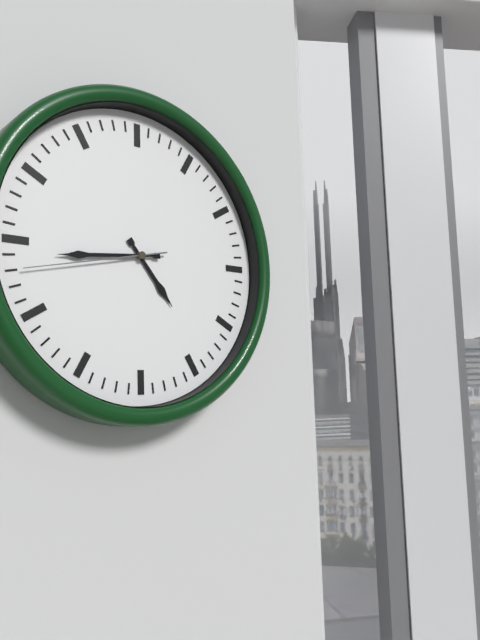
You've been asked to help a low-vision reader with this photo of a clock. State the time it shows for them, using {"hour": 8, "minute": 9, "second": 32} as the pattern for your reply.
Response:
{"hour": 4, "minute": 44, "second": 43}
